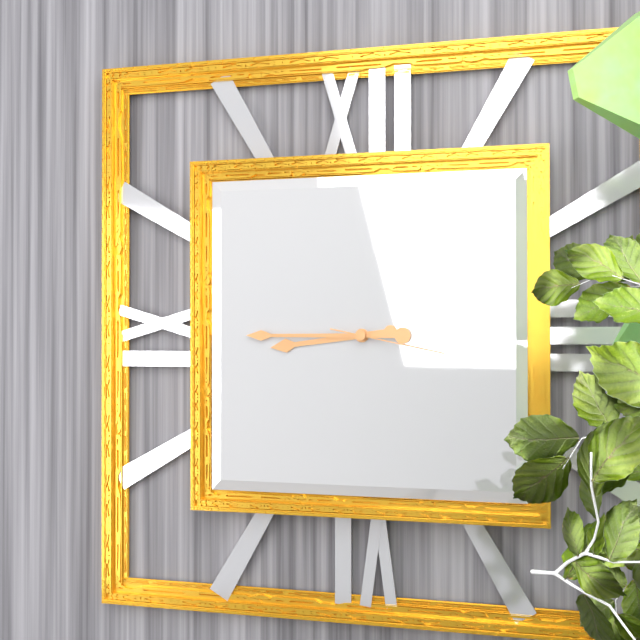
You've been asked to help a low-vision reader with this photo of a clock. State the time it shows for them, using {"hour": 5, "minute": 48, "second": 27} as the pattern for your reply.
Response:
{"hour": 8, "minute": 45, "second": 17}
